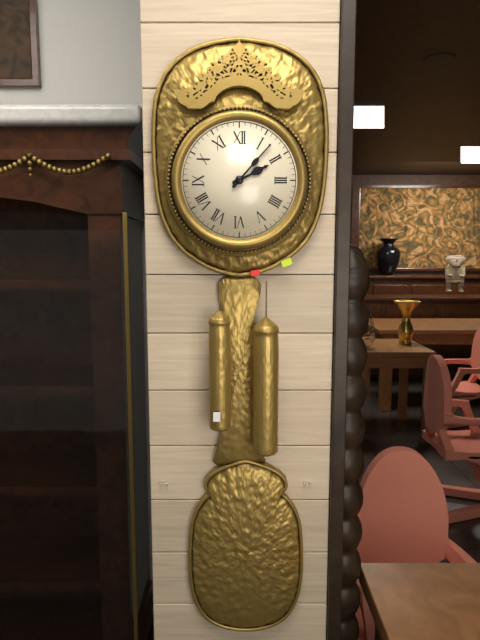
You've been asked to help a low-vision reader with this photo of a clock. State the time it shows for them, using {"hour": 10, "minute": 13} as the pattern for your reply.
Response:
{"hour": 2, "minute": 7}
